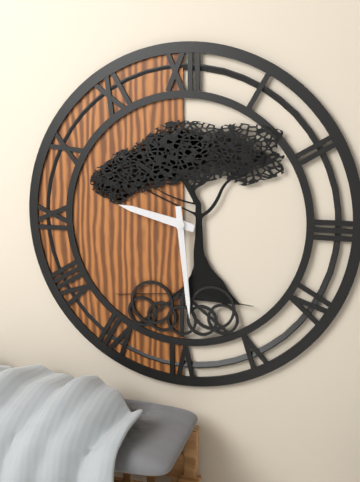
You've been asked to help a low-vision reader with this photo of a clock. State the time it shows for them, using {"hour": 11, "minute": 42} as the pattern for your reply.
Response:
{"hour": 9, "minute": 29}
